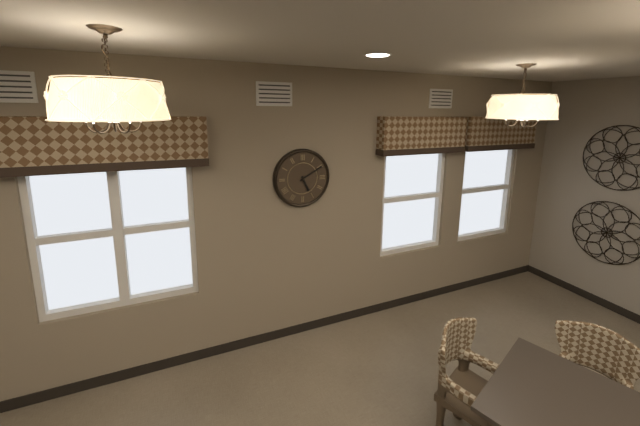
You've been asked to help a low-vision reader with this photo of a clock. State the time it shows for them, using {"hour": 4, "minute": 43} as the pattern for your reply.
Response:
{"hour": 5, "minute": 10}
